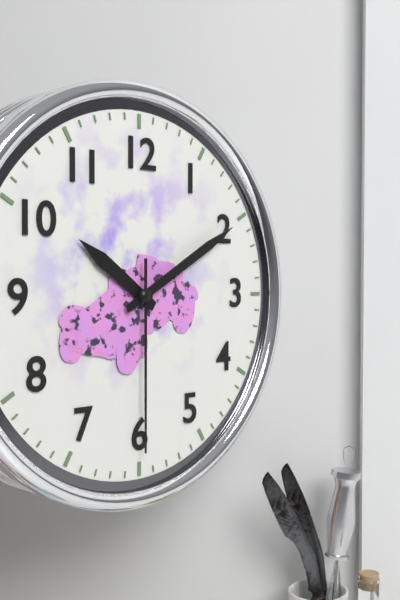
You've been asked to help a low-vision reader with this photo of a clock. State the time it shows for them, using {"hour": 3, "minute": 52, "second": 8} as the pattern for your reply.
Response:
{"hour": 10, "minute": 10, "second": 30}
